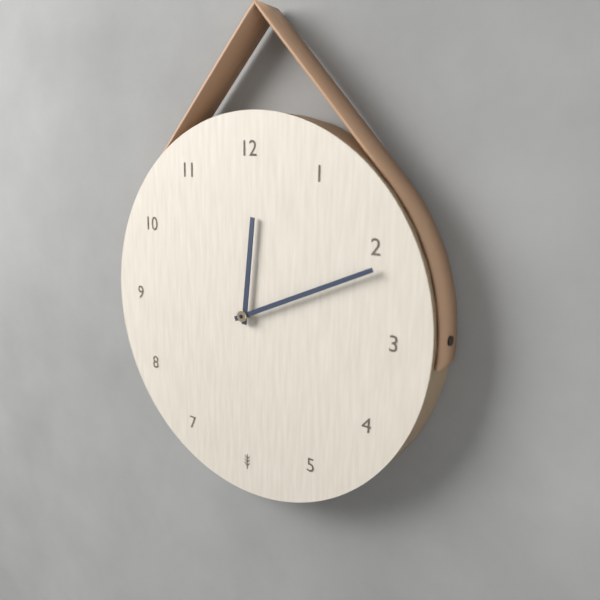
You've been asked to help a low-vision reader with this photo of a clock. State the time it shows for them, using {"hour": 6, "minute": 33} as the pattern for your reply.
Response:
{"hour": 12, "minute": 11}
